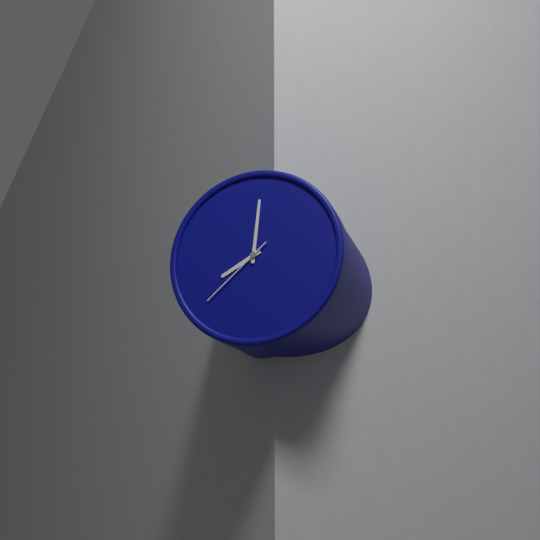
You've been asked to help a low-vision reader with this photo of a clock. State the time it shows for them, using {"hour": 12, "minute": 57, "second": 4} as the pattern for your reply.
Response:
{"hour": 8, "minute": 1, "second": 38}
